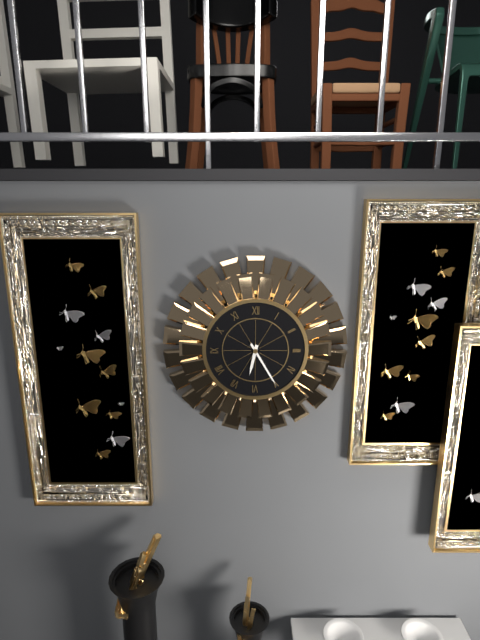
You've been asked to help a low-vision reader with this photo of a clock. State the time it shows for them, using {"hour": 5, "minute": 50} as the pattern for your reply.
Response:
{"hour": 6, "minute": 25}
